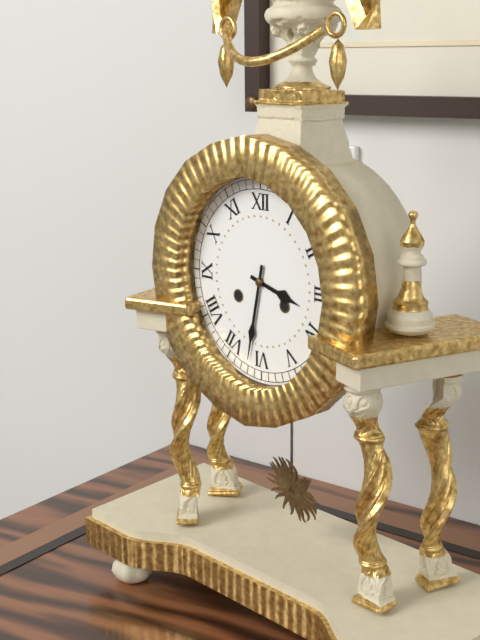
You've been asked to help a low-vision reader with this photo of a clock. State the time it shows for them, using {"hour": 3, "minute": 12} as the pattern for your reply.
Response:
{"hour": 3, "minute": 32}
